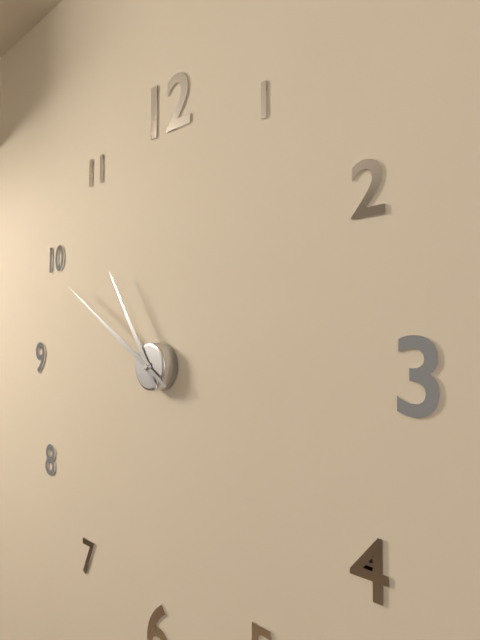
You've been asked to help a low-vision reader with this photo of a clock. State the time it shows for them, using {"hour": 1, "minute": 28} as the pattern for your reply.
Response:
{"hour": 10, "minute": 50}
